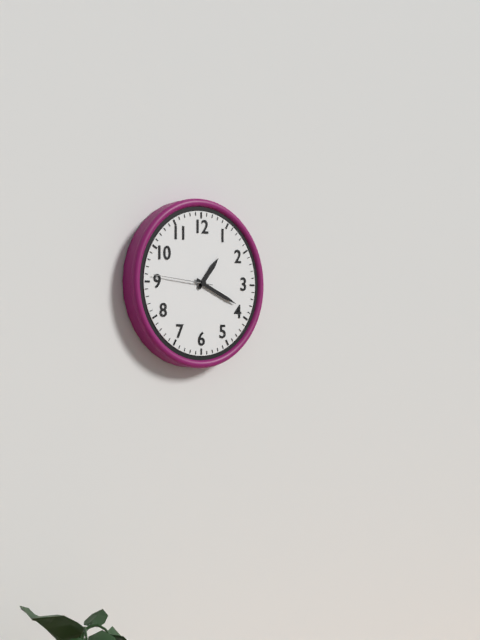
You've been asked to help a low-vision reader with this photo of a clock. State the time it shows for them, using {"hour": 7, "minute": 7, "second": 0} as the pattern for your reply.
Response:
{"hour": 1, "minute": 19, "second": 46}
